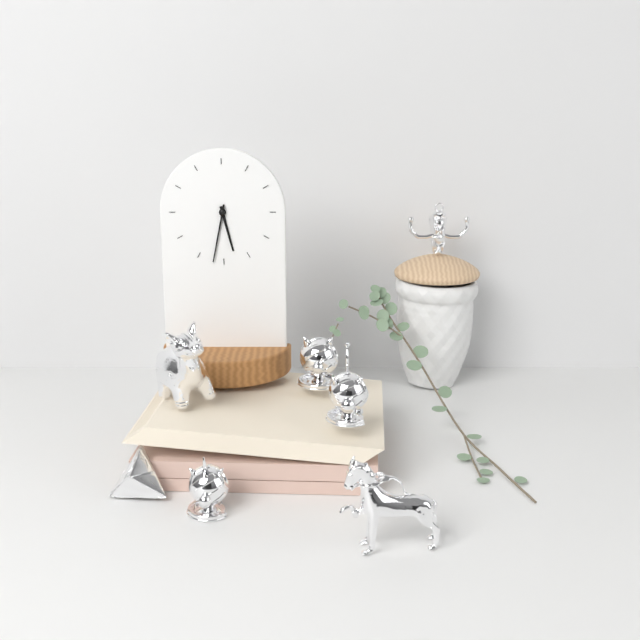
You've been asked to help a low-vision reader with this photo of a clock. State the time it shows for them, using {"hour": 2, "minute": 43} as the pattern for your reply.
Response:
{"hour": 5, "minute": 32}
